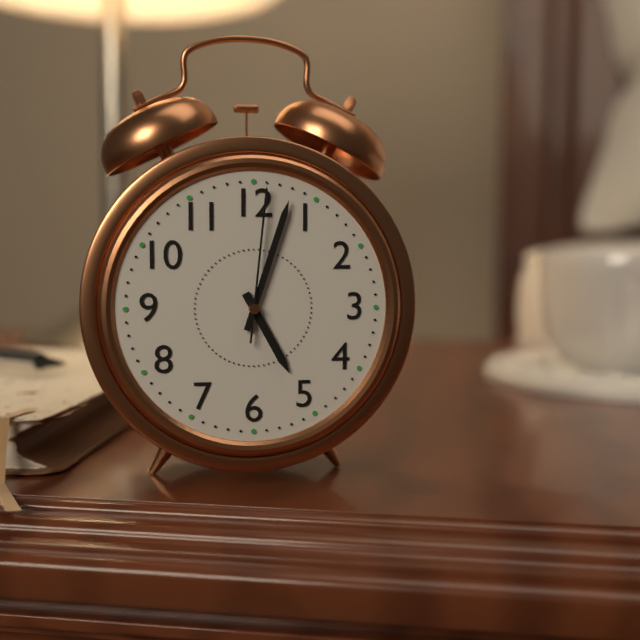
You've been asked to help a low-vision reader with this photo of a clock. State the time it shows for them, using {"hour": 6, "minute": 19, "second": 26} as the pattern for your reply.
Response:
{"hour": 5, "minute": 3, "second": 1}
